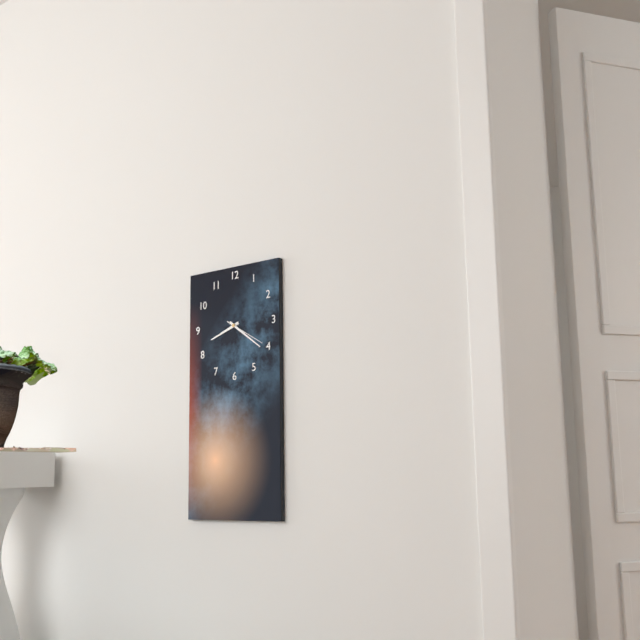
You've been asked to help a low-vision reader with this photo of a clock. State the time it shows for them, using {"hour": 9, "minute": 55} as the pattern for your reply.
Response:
{"hour": 8, "minute": 21}
